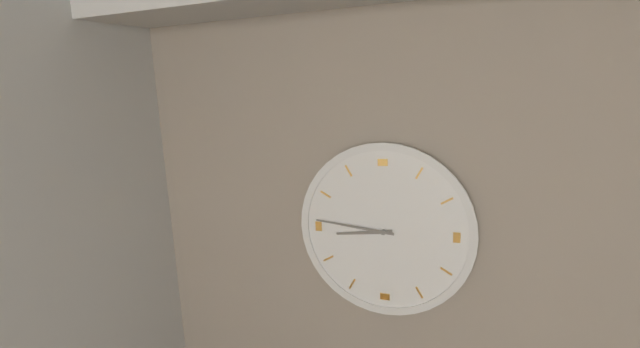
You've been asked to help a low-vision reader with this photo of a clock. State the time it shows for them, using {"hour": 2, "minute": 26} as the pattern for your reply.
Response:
{"hour": 8, "minute": 46}
